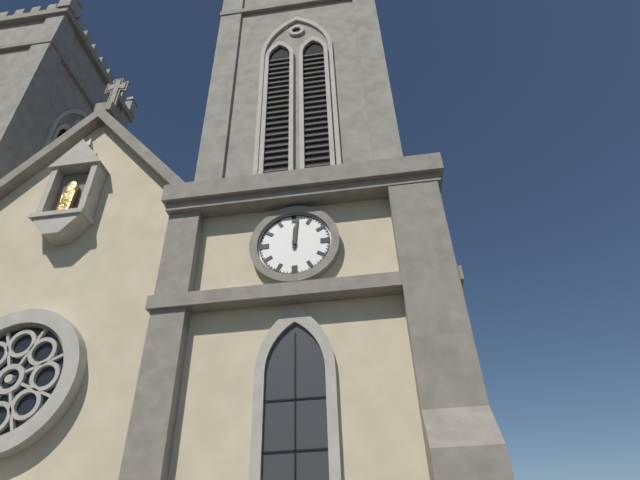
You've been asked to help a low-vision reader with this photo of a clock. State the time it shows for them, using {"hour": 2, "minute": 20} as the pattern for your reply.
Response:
{"hour": 12, "minute": 1}
